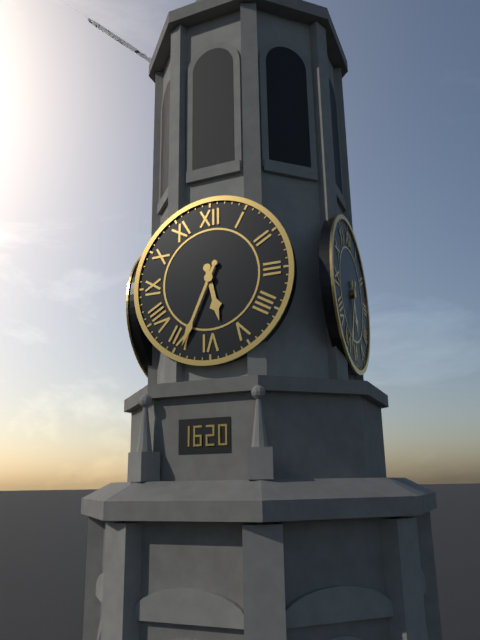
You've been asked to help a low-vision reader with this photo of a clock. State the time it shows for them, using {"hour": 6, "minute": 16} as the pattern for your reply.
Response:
{"hour": 5, "minute": 34}
